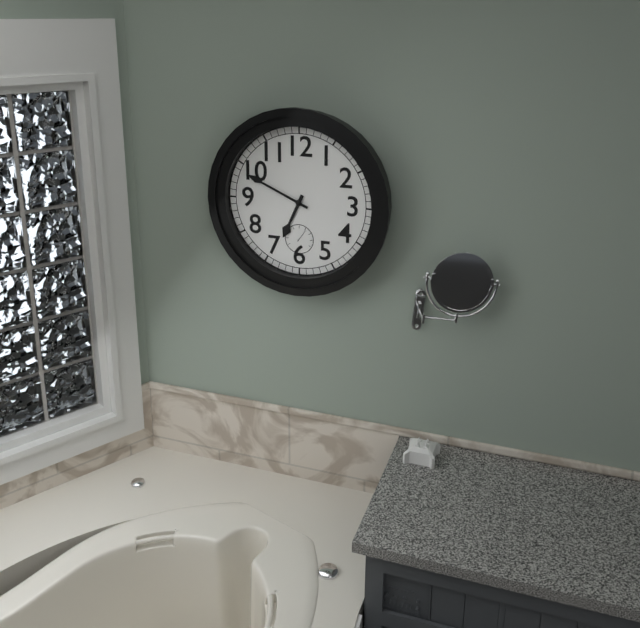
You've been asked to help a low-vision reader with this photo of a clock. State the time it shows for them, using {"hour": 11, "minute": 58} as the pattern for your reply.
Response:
{"hour": 6, "minute": 49}
